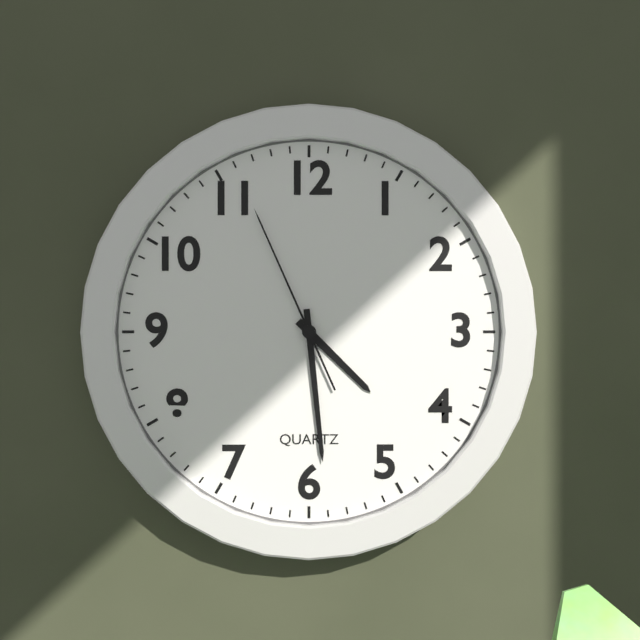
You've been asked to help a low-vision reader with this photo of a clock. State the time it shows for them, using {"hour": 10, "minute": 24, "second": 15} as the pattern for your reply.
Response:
{"hour": 4, "minute": 29, "second": 56}
